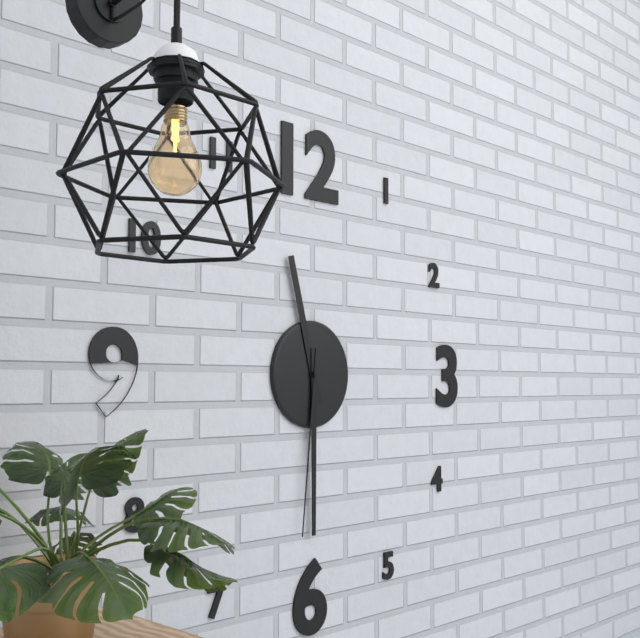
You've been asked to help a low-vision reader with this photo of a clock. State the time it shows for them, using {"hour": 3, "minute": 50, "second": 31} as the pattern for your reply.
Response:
{"hour": 11, "minute": 30, "second": 31}
